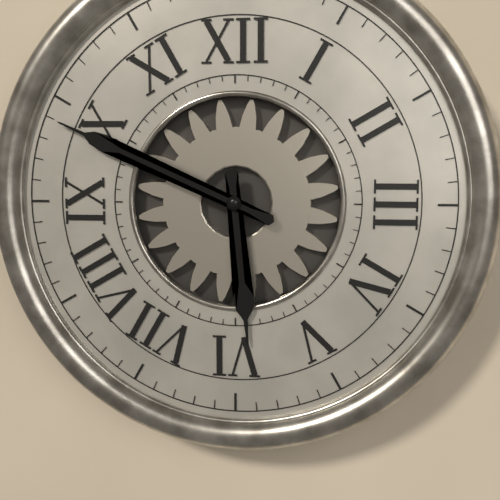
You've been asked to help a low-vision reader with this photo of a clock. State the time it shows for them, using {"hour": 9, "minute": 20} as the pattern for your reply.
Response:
{"hour": 5, "minute": 49}
